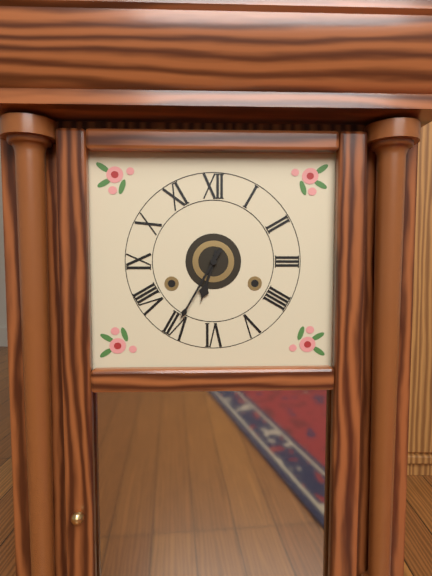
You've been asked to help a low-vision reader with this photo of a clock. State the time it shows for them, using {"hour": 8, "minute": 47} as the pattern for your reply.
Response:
{"hour": 6, "minute": 35}
